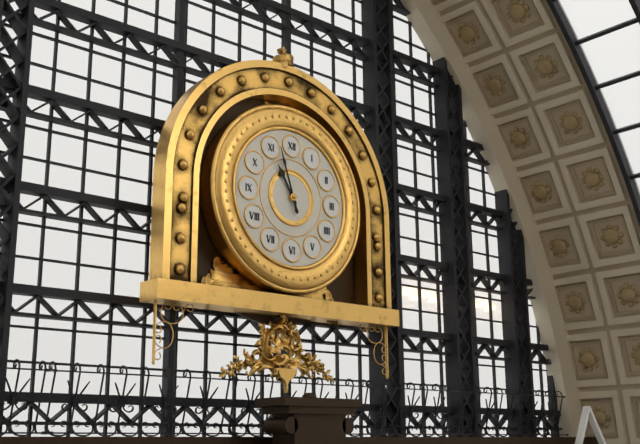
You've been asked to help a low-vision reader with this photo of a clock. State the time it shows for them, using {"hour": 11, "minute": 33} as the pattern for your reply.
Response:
{"hour": 10, "minute": 57}
